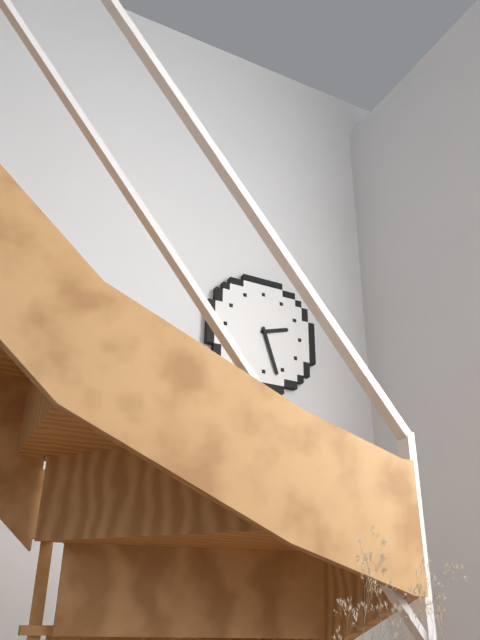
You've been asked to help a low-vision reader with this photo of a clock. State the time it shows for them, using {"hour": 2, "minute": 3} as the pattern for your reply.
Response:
{"hour": 2, "minute": 27}
